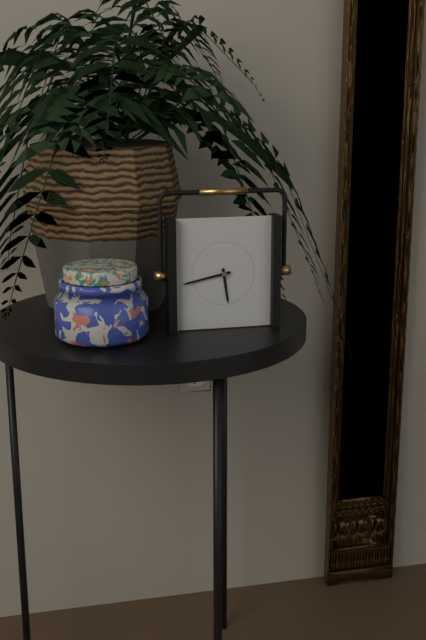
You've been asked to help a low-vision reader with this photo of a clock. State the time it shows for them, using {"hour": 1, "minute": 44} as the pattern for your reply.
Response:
{"hour": 5, "minute": 43}
